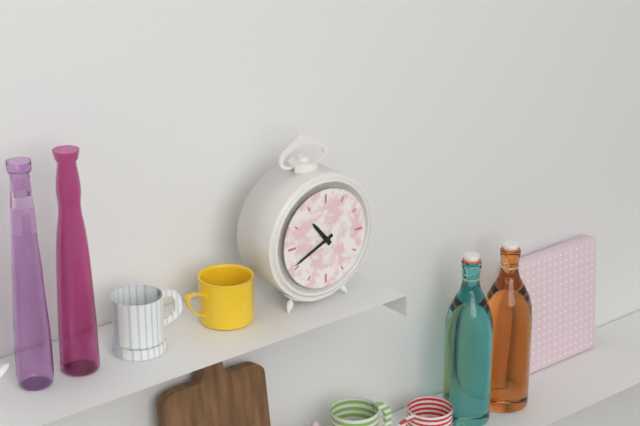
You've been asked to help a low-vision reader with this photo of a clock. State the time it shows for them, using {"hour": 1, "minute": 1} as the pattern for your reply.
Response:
{"hour": 10, "minute": 41}
